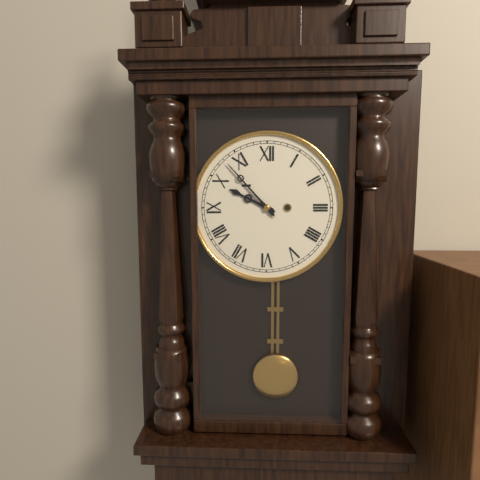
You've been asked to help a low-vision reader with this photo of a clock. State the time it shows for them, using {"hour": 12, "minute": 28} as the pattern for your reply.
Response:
{"hour": 9, "minute": 53}
